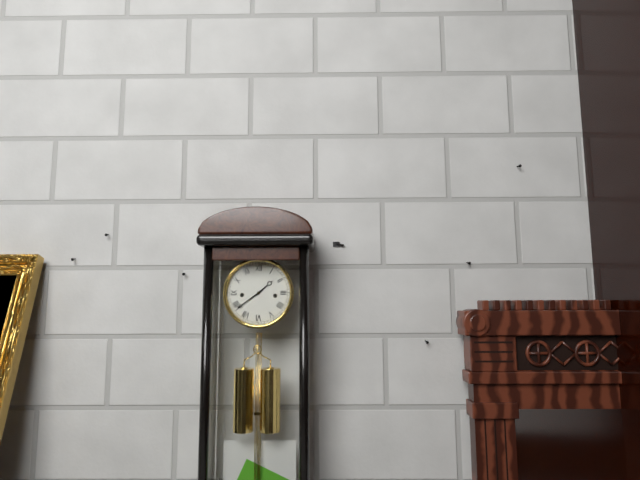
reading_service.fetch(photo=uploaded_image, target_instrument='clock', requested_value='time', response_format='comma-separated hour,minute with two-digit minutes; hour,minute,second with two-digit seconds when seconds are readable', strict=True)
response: 1,39
